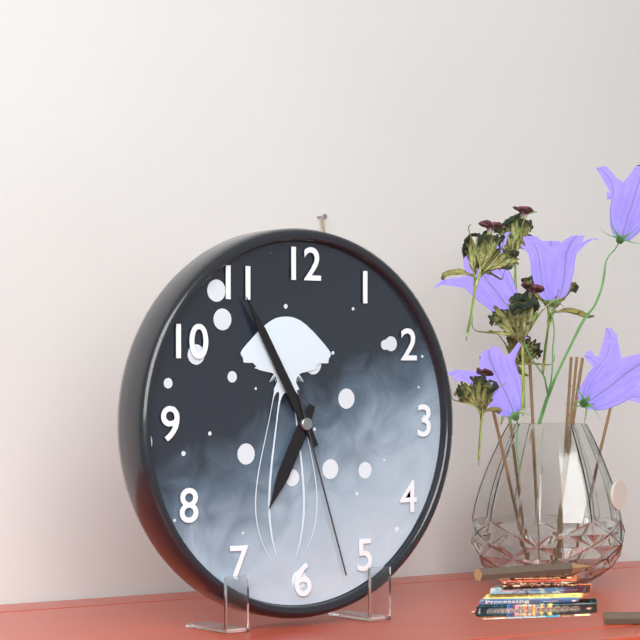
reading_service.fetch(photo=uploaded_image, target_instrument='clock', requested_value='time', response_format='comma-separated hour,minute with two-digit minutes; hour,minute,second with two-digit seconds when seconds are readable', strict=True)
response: 6,55,27
